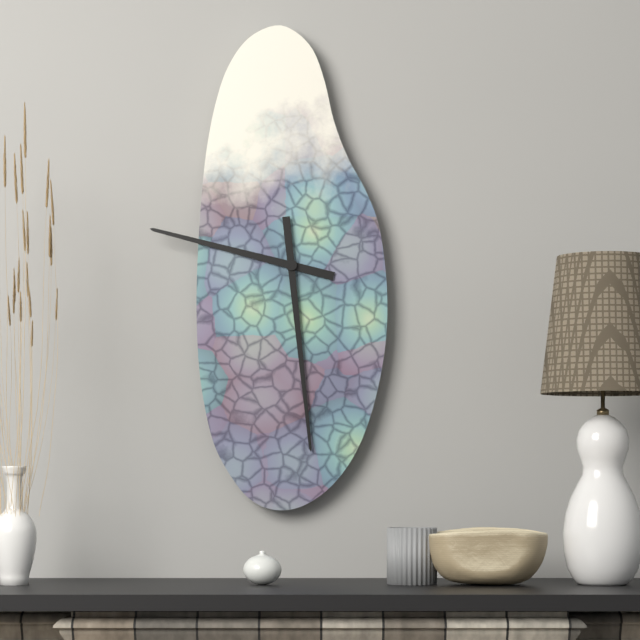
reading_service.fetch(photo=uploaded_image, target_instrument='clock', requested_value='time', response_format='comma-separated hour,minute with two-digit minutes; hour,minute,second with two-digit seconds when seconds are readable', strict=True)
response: 9,29
